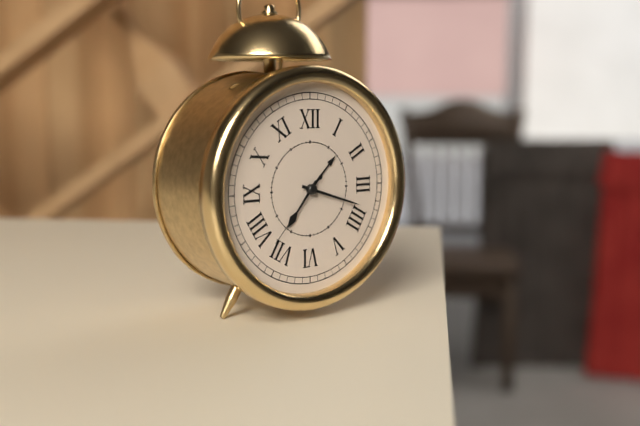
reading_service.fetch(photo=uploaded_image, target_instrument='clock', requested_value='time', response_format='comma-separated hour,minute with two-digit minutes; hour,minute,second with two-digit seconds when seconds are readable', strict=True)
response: 7,18,37
